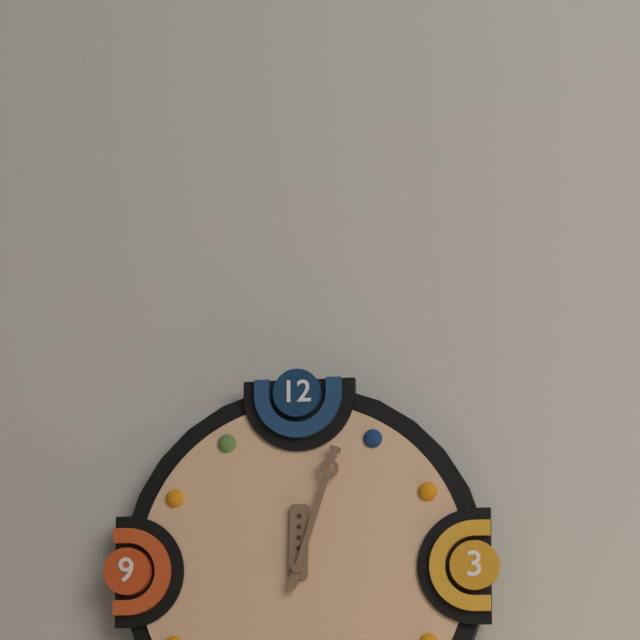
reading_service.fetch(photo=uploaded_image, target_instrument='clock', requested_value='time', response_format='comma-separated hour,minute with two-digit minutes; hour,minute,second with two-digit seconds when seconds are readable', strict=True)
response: 12,03
